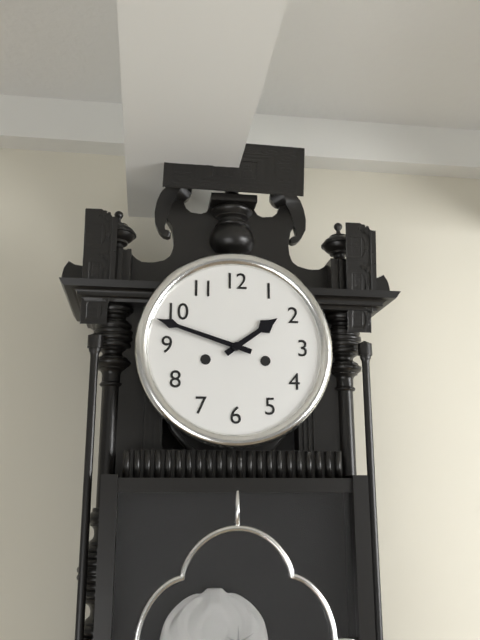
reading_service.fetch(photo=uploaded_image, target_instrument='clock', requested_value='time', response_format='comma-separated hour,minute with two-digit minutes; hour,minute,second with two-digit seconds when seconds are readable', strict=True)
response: 1,48
